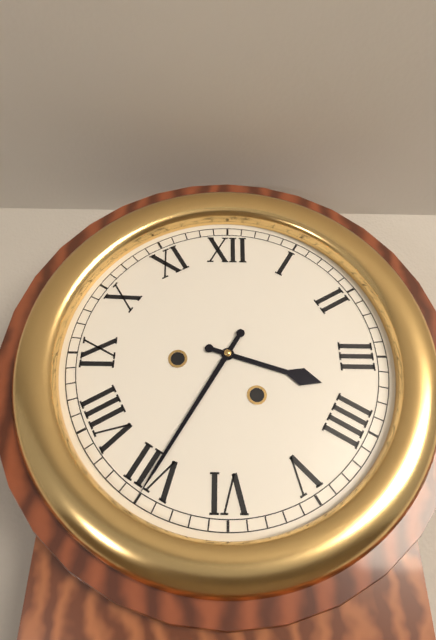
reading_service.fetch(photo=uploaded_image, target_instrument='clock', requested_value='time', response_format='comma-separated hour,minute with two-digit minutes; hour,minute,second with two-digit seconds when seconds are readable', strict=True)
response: 3,35
